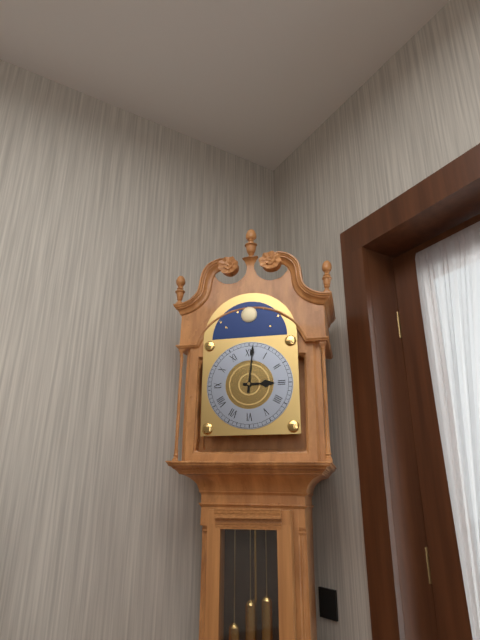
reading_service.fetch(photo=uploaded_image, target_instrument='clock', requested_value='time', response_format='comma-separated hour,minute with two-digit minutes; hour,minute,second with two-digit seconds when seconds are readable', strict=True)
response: 3,01
